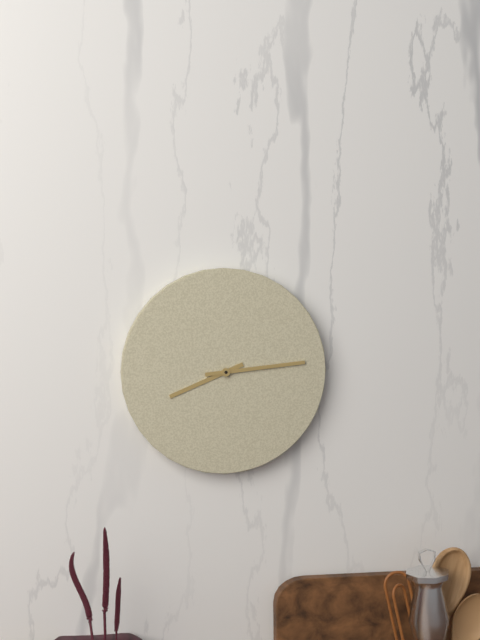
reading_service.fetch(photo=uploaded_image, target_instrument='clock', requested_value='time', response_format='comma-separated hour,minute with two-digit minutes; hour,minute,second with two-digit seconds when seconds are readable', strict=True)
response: 8,14
